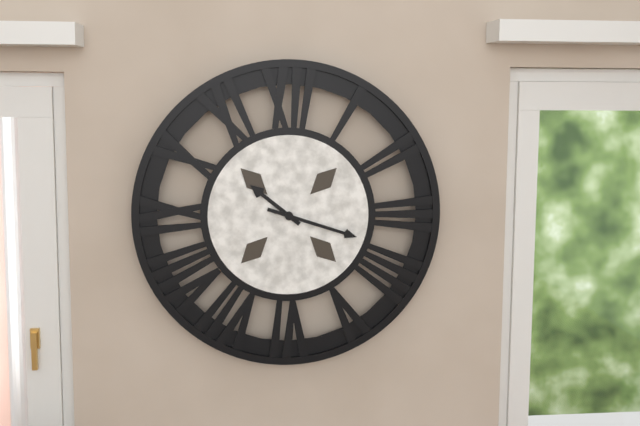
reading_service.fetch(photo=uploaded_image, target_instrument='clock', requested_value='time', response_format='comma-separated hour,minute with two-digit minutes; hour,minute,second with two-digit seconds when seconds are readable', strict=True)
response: 10,18
